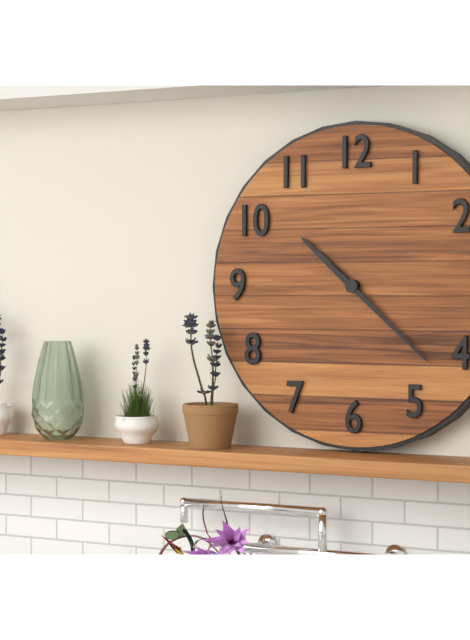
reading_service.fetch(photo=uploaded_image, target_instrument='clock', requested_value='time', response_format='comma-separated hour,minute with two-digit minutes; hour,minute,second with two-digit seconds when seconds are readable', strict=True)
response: 10,22
